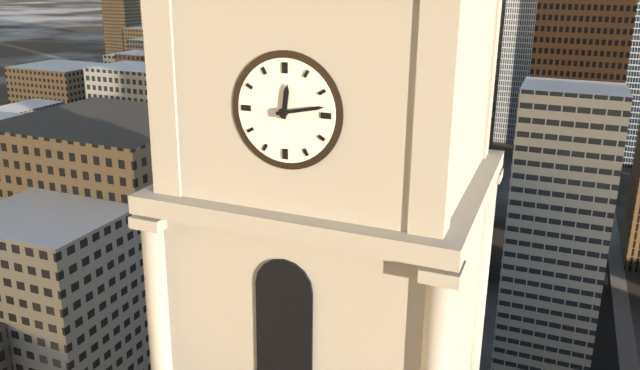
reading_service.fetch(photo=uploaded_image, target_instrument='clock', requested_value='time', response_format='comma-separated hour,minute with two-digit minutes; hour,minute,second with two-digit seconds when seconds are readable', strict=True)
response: 12,13
